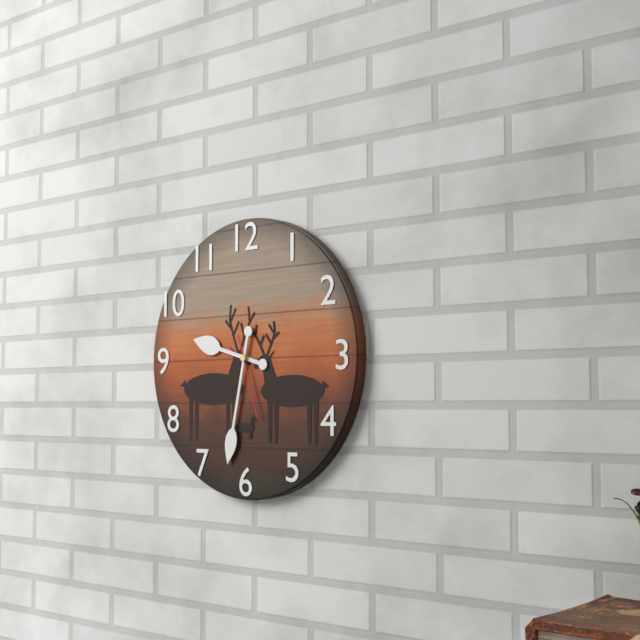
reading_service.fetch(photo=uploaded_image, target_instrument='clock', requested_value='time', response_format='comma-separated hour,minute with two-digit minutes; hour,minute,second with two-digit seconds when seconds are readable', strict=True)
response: 9,32,27
